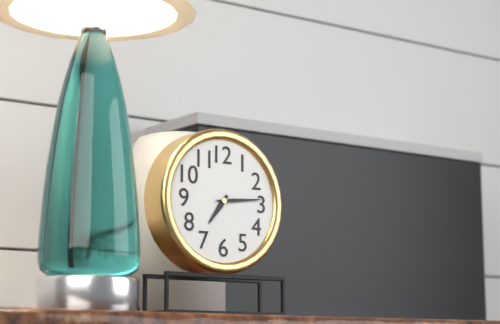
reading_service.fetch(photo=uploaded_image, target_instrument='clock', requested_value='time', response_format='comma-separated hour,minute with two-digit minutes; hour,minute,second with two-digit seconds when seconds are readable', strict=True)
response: 7,14
